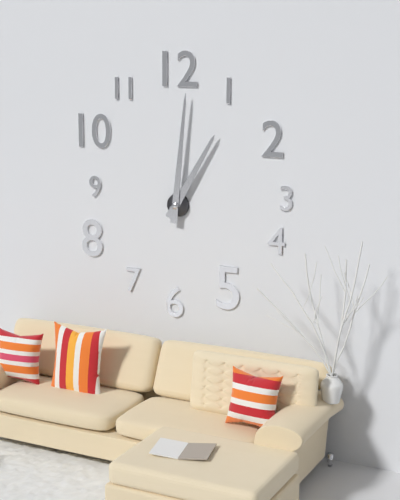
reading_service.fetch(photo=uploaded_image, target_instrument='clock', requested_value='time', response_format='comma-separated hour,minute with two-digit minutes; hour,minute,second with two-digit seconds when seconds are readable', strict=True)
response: 1,01
